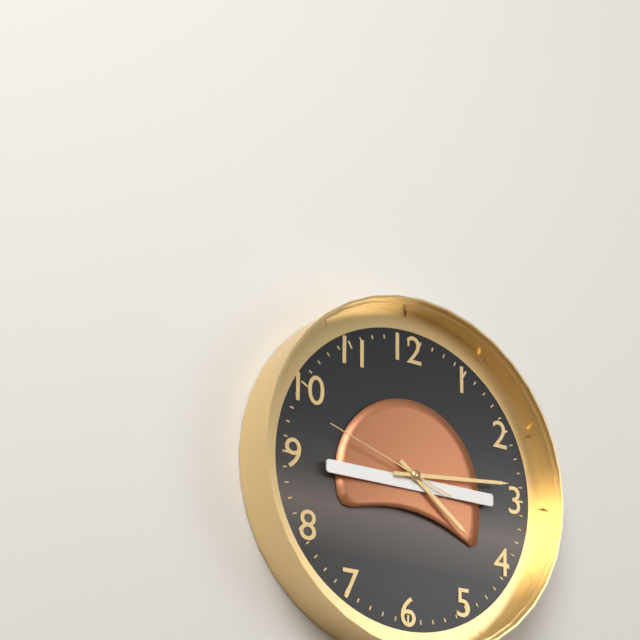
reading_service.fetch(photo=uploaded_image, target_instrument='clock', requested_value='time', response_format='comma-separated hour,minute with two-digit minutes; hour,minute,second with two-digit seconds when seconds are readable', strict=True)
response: 4,14,48
